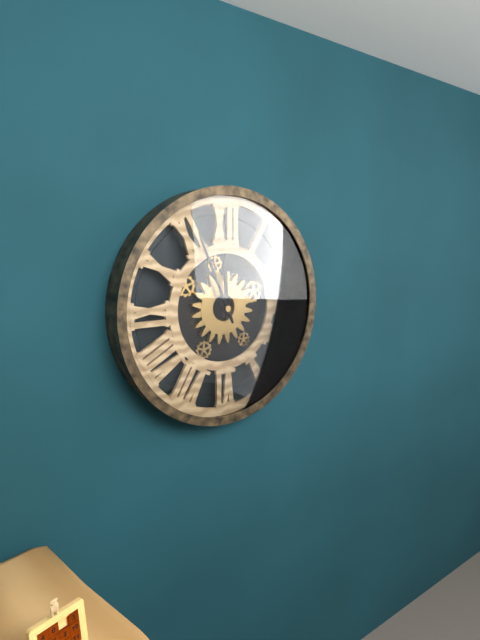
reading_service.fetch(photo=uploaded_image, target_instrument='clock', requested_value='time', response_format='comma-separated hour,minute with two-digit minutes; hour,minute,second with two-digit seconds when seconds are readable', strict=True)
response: 11,56
